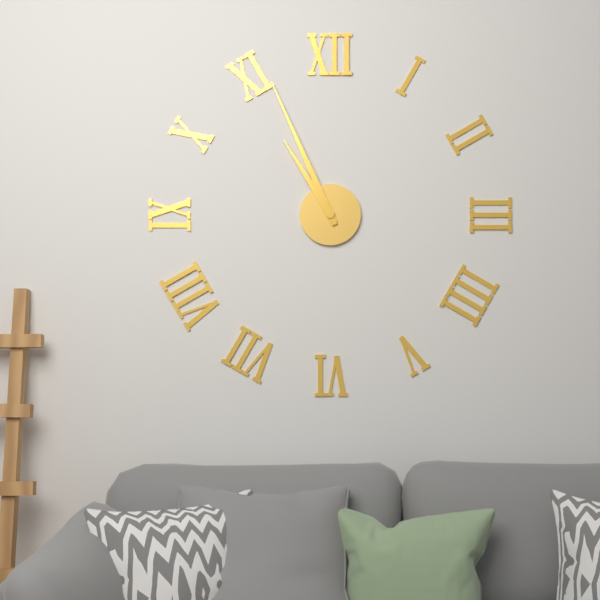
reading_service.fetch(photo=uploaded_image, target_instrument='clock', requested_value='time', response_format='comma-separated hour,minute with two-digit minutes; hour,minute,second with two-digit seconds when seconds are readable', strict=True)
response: 10,56
